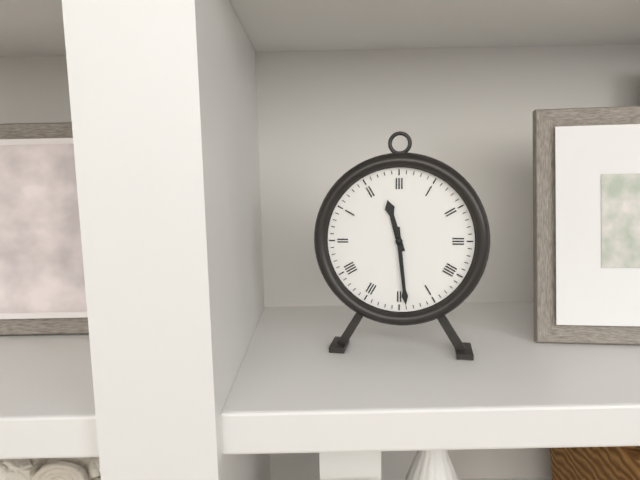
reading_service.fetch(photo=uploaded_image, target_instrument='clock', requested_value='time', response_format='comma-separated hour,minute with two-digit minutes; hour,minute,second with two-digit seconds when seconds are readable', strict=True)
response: 11,29
